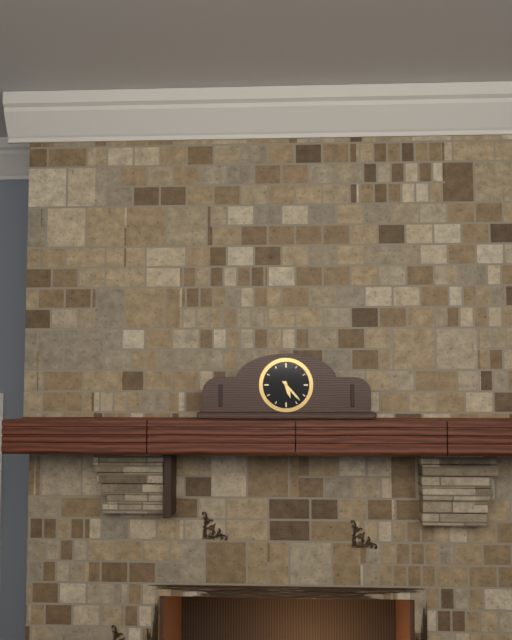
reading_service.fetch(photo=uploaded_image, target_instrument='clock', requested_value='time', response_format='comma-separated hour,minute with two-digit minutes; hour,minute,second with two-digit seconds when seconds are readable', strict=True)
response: 5,23
